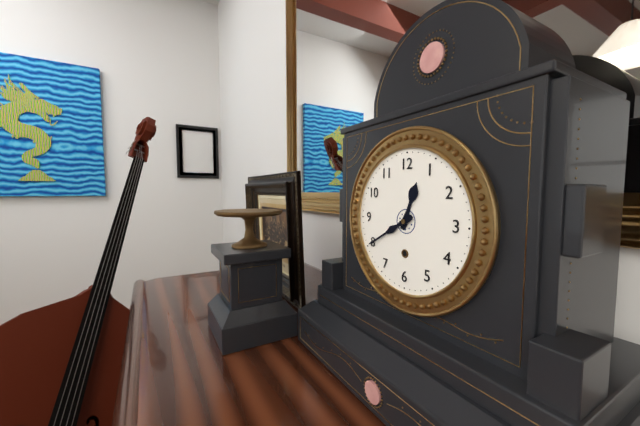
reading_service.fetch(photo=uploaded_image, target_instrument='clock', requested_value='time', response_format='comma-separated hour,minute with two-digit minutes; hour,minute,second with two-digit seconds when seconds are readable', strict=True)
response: 12,40
